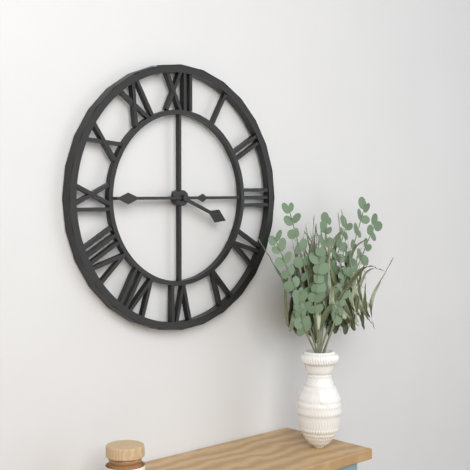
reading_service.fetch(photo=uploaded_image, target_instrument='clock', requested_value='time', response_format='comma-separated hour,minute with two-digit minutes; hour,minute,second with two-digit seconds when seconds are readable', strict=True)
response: 3,45
